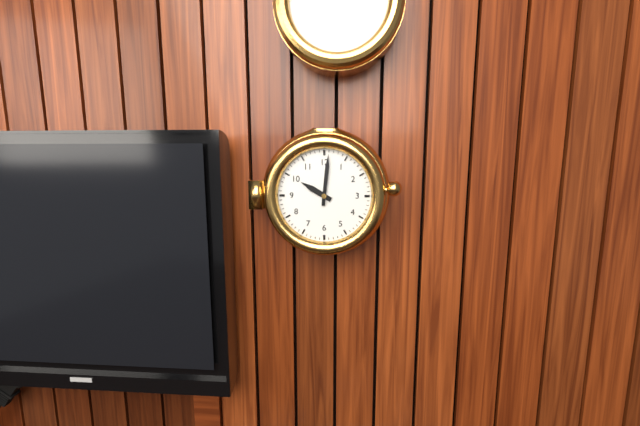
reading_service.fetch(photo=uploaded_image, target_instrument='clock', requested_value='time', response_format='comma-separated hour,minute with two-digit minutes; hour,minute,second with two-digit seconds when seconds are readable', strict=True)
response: 10,01
